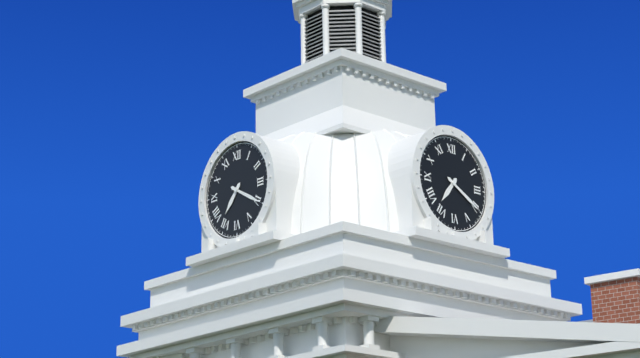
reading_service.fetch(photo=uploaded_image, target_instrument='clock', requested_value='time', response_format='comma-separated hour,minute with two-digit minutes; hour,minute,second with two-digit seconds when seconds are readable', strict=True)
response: 7,20
